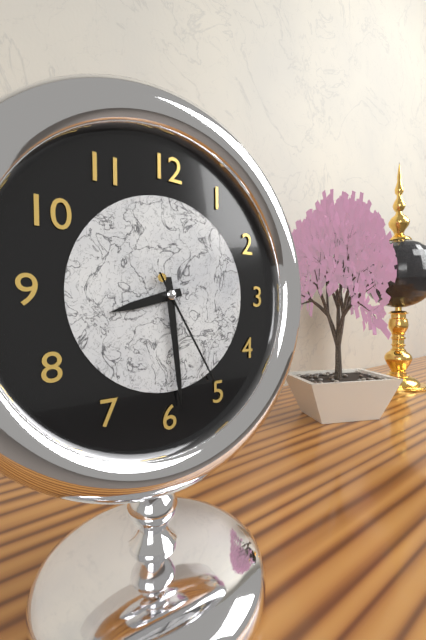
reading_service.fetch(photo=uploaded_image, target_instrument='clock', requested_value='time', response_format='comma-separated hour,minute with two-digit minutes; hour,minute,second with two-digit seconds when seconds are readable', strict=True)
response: 8,29,25
